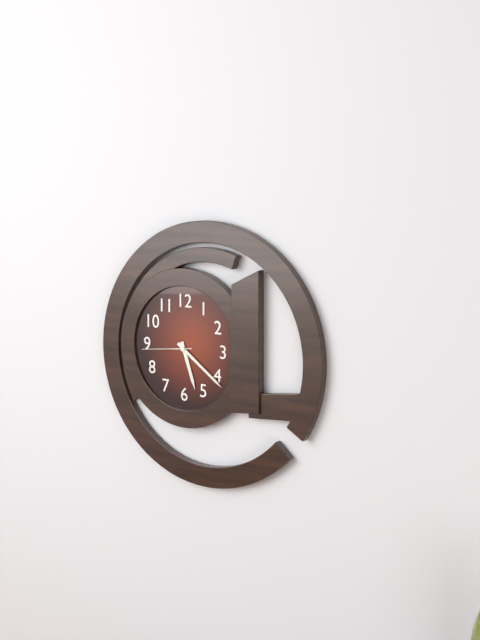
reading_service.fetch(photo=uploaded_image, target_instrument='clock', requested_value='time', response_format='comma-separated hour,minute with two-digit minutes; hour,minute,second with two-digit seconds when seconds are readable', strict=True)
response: 5,21,44
